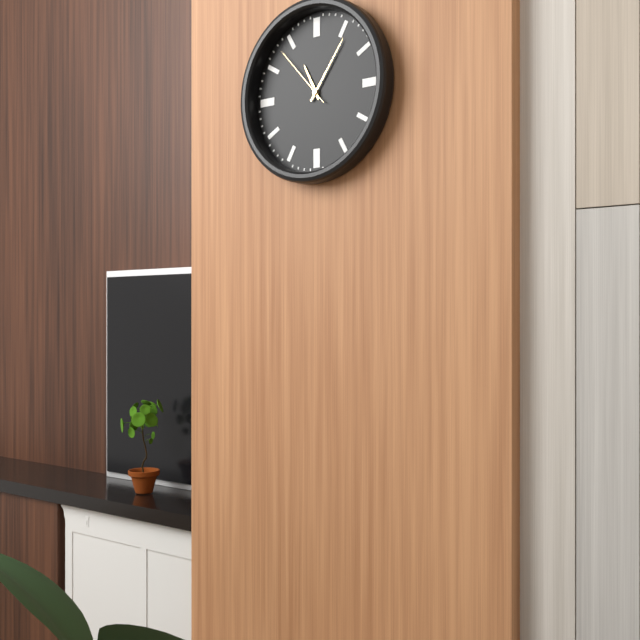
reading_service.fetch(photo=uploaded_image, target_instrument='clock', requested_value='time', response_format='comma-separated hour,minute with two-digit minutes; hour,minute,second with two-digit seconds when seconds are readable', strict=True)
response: 11,06,53
